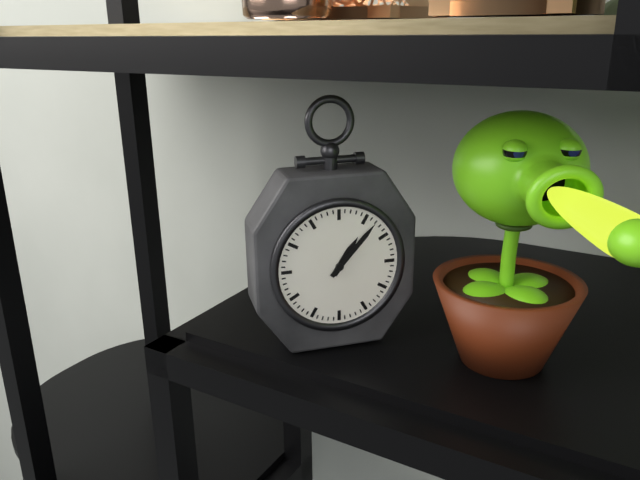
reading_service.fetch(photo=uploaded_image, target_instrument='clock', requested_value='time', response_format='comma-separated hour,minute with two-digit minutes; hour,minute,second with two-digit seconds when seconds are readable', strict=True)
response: 1,07
